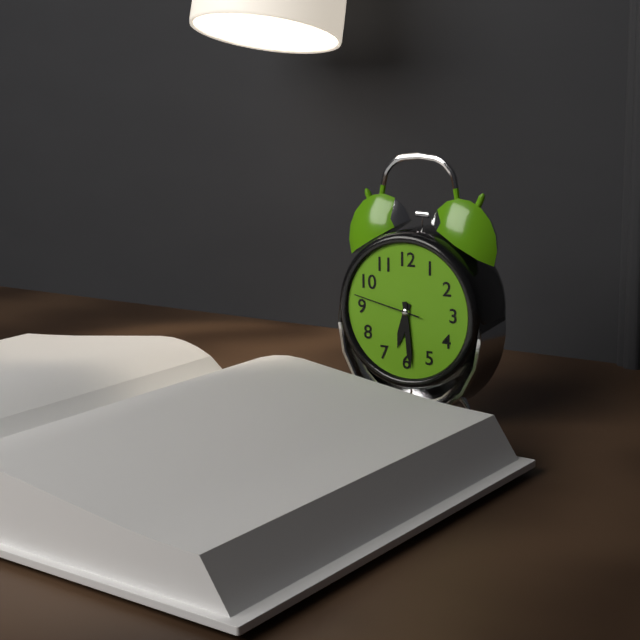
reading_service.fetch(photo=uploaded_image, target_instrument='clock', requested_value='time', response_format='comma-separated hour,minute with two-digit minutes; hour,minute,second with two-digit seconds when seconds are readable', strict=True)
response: 6,29,47
